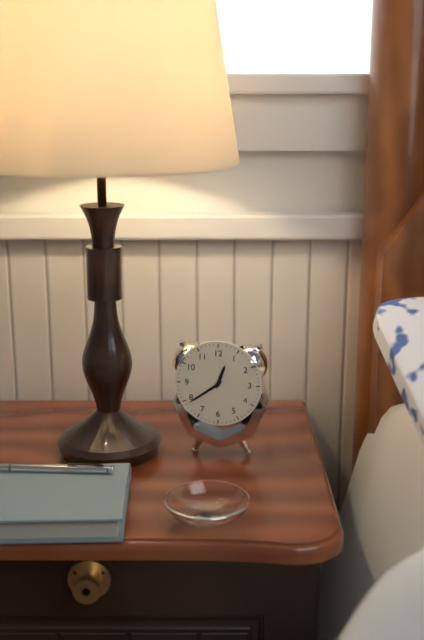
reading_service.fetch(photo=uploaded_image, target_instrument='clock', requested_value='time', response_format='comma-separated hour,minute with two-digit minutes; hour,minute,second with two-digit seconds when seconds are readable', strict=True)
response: 12,39
